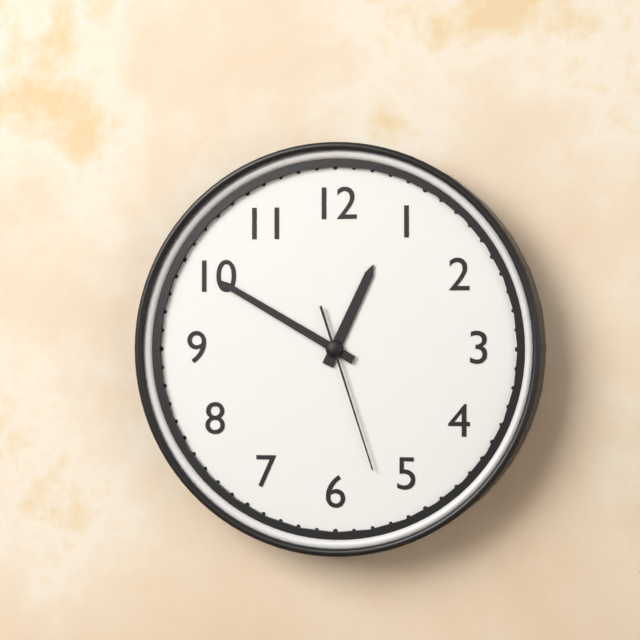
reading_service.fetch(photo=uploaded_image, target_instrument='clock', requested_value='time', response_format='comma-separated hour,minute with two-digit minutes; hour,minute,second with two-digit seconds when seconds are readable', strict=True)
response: 12,50,27
